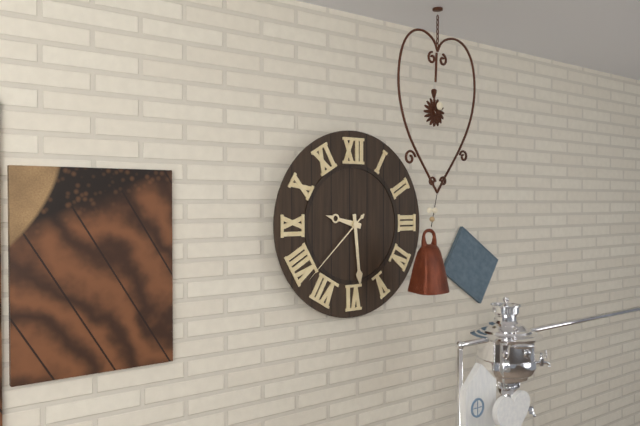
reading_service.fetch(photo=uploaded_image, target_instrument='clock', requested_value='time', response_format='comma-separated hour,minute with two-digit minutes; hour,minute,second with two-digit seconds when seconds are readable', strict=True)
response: 9,29,38
